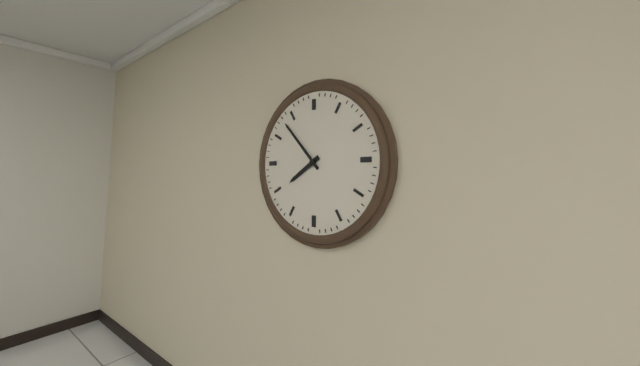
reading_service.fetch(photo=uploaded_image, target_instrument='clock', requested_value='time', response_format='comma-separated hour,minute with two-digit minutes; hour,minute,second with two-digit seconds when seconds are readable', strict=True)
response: 7,53
